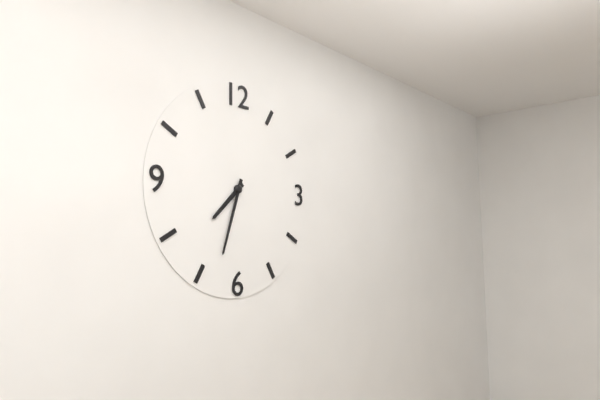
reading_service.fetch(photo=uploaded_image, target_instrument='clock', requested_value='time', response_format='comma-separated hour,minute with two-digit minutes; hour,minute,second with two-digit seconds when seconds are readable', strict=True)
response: 7,33
